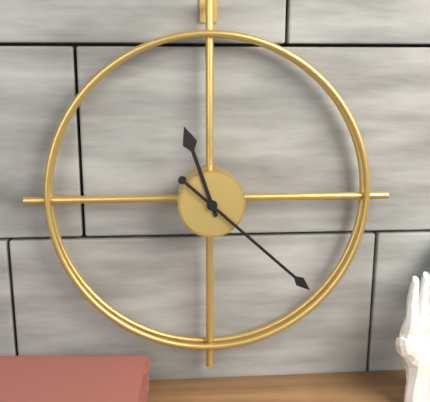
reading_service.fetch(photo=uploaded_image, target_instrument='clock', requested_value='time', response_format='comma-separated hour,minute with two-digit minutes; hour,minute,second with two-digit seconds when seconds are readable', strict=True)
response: 11,22
